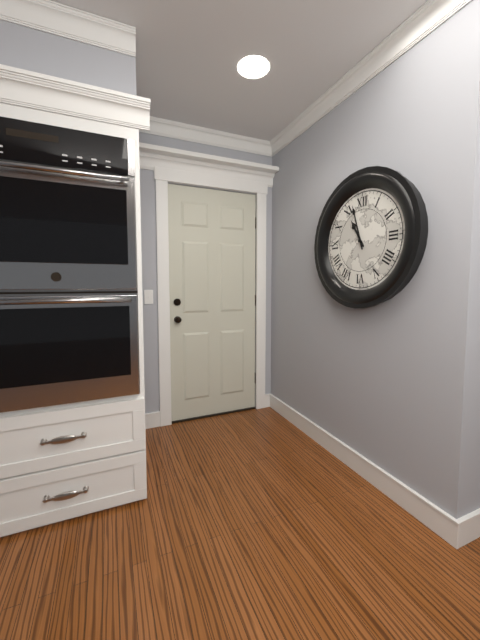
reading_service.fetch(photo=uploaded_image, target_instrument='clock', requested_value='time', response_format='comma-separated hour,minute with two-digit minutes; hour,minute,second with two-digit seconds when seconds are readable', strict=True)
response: 10,57
